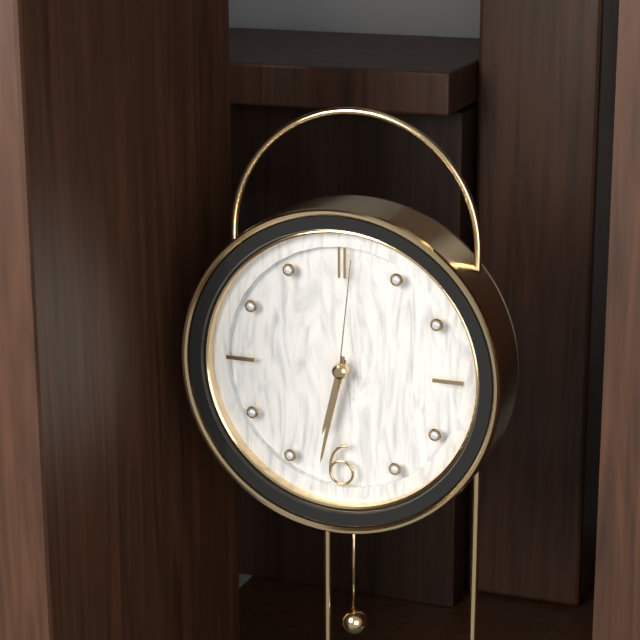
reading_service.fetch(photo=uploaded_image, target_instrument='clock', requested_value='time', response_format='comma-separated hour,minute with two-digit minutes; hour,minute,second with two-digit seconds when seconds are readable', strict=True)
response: 6,32,01
